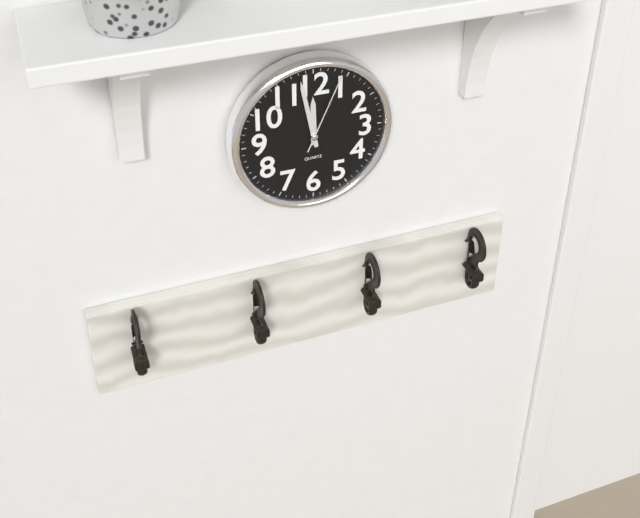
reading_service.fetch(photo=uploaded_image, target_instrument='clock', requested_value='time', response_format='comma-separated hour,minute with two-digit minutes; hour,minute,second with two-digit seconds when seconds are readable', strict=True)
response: 11,58,04
